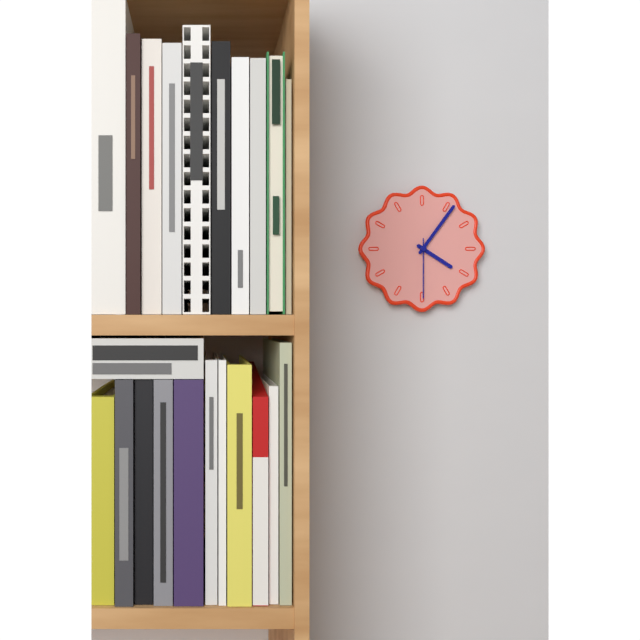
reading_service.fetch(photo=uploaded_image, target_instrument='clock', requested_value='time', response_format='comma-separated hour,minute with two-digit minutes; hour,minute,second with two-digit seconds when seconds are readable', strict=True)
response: 4,06,30
